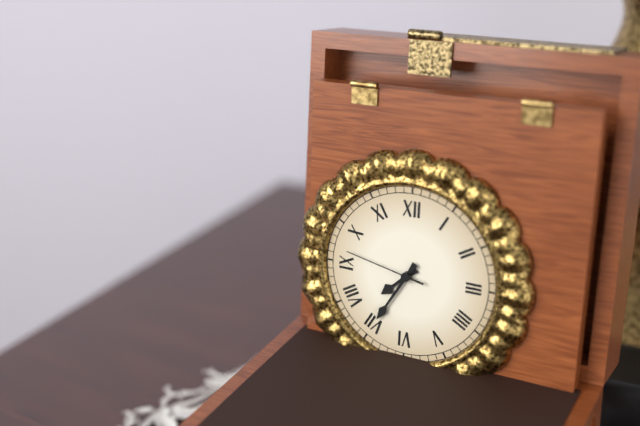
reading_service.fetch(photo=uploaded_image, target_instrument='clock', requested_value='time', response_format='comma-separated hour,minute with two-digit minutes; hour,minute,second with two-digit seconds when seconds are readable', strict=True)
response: 7,35,47
